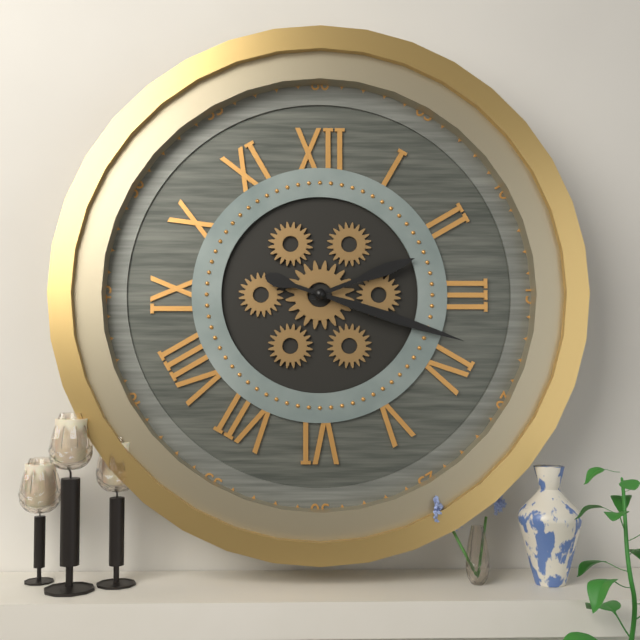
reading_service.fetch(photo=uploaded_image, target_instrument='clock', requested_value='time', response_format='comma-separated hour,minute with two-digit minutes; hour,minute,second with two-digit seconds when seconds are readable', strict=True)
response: 2,18
